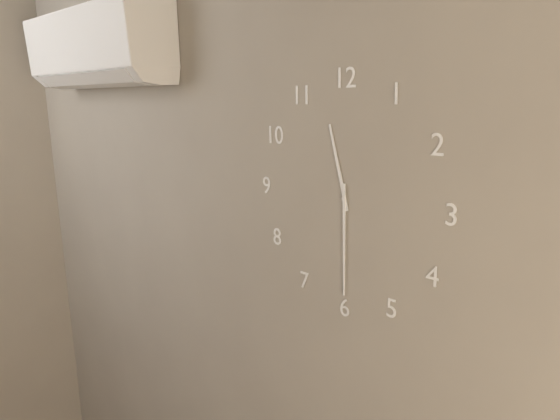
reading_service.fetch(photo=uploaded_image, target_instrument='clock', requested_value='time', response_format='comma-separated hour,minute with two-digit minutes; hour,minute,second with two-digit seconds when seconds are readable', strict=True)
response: 11,30
